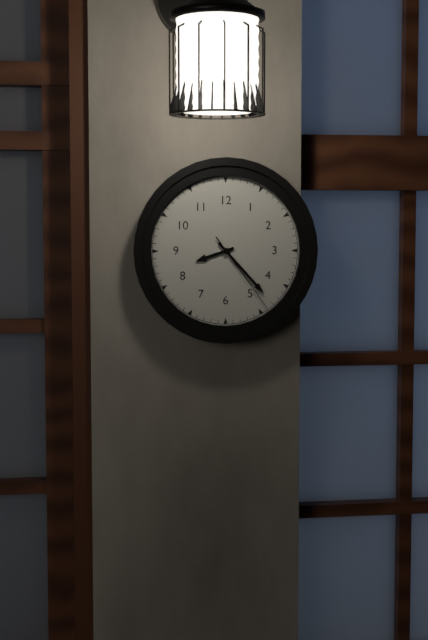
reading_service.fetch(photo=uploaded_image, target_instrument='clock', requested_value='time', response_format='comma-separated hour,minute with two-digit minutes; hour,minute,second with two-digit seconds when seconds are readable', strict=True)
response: 8,23,24
